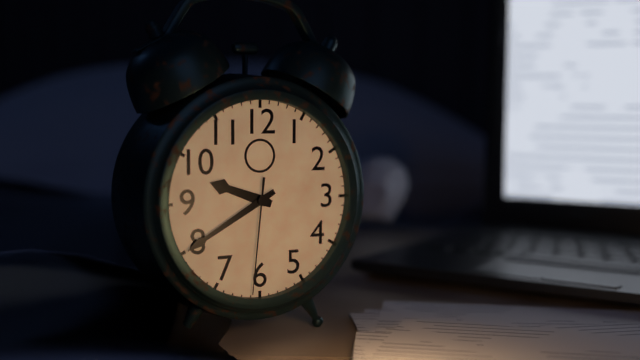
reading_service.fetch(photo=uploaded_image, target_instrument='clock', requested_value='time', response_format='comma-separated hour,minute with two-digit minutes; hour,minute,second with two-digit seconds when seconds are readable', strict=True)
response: 9,40,31
